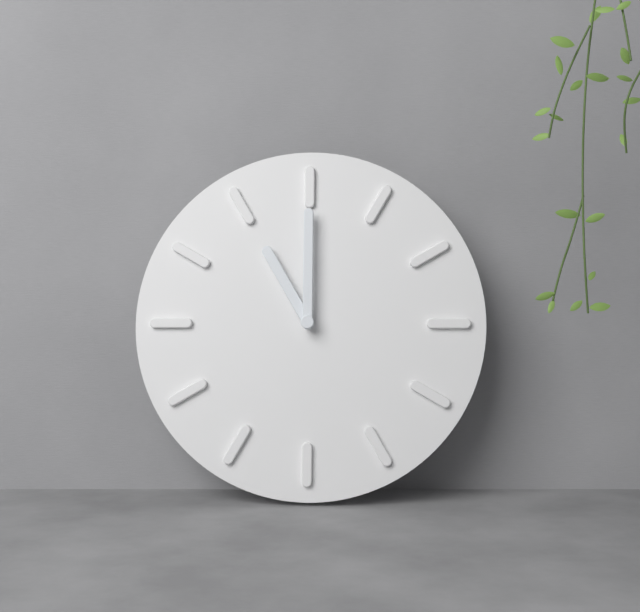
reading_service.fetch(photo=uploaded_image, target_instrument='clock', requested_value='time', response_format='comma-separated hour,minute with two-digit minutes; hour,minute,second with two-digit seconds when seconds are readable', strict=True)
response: 11,00
